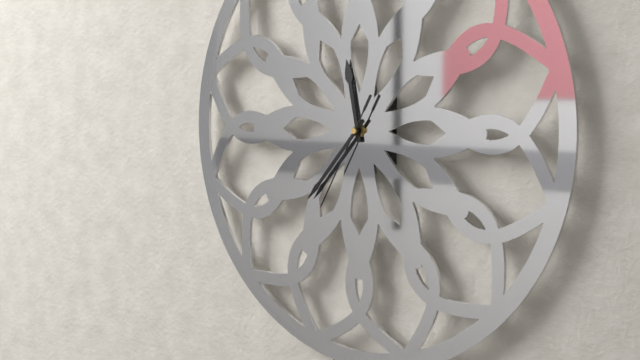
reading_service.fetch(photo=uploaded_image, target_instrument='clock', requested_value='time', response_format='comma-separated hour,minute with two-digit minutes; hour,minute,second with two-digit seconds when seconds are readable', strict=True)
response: 11,37,35
